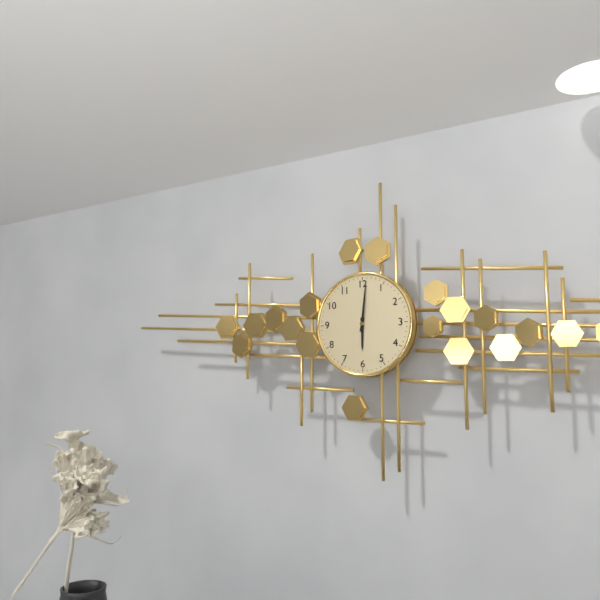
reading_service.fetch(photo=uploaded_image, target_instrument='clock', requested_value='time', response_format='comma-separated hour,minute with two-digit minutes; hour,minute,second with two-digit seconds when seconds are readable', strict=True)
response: 6,01
